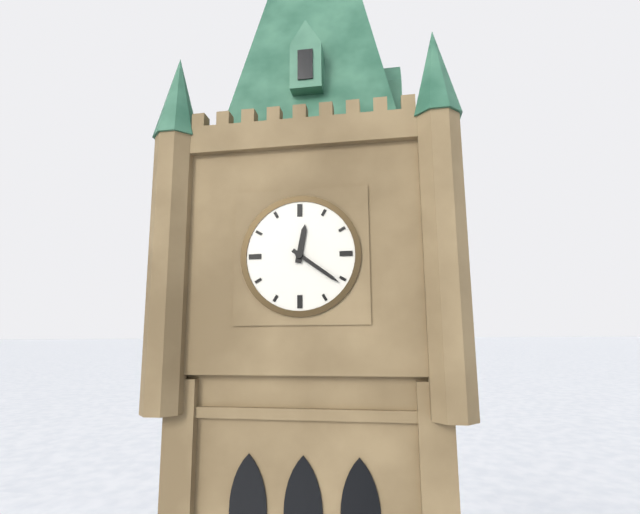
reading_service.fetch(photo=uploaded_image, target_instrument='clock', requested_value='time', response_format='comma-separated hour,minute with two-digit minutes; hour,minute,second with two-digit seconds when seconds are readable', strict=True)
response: 12,21
